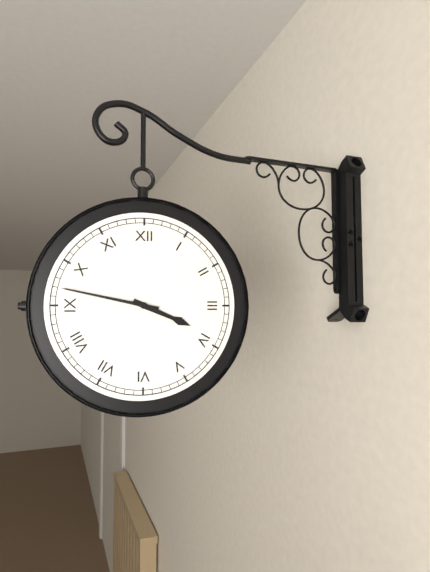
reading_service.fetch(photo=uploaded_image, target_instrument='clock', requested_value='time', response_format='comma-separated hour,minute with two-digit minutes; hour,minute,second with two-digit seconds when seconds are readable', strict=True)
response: 3,47
